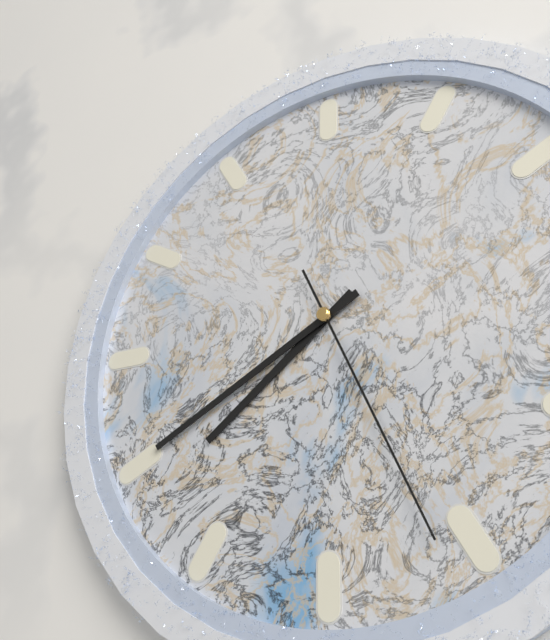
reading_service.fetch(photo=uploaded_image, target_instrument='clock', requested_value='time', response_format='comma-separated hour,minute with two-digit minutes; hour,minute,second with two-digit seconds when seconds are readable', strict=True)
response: 7,40,26
